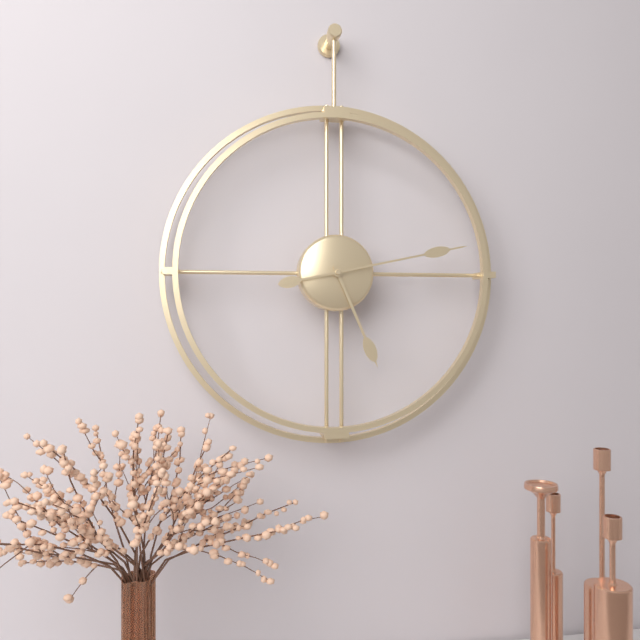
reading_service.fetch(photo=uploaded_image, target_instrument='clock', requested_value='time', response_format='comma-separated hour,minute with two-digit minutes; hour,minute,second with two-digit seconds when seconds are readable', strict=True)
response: 5,13
